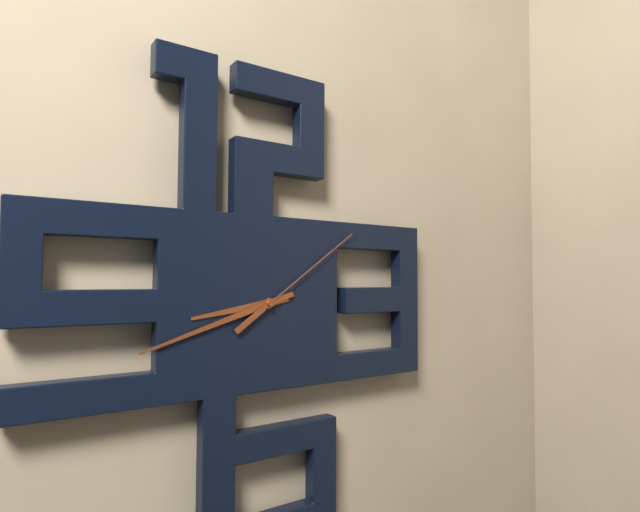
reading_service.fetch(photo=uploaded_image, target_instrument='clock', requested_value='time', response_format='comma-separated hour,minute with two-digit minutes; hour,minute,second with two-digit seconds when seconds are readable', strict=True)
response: 8,42,09
